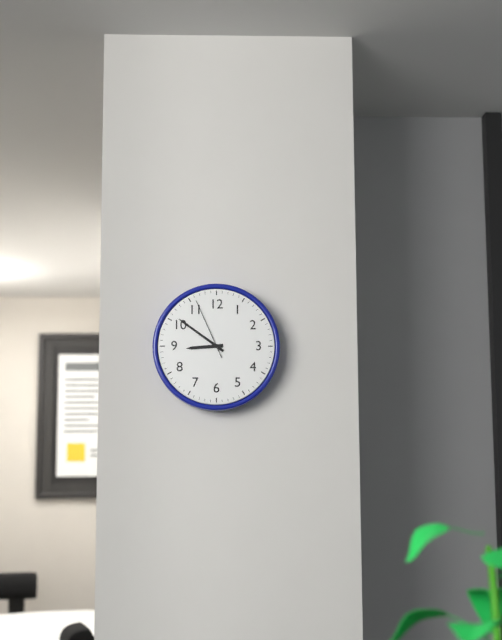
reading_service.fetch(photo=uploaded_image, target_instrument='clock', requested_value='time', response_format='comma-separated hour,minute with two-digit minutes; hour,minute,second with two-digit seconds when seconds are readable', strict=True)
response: 8,51,56
